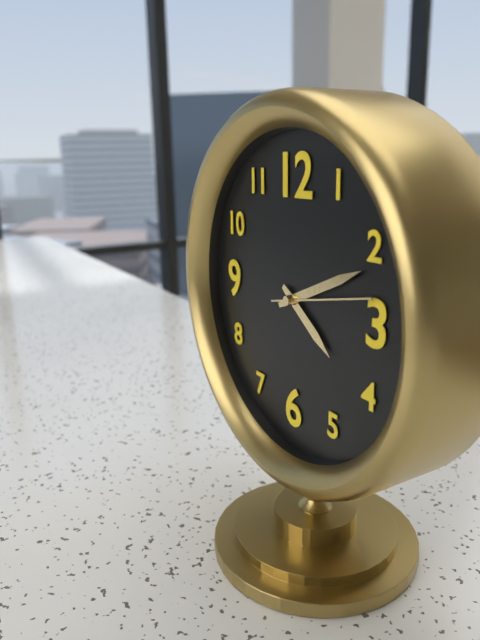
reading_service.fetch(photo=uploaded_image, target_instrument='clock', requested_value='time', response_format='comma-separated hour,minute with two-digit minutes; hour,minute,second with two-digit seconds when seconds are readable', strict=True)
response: 4,11,13
